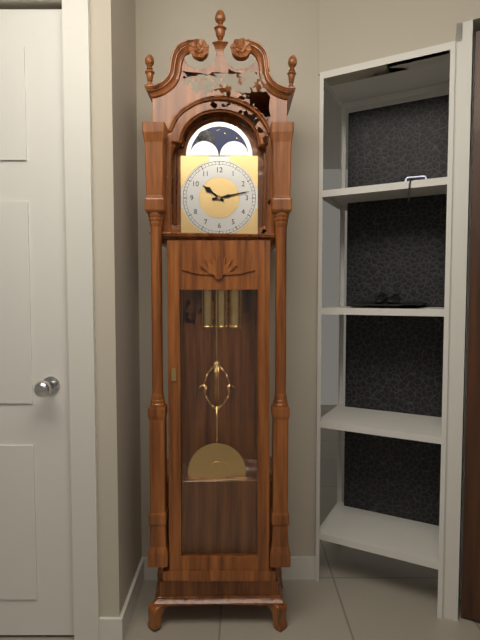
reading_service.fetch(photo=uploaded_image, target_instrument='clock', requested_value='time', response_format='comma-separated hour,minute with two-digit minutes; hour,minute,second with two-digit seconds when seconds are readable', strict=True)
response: 10,13
